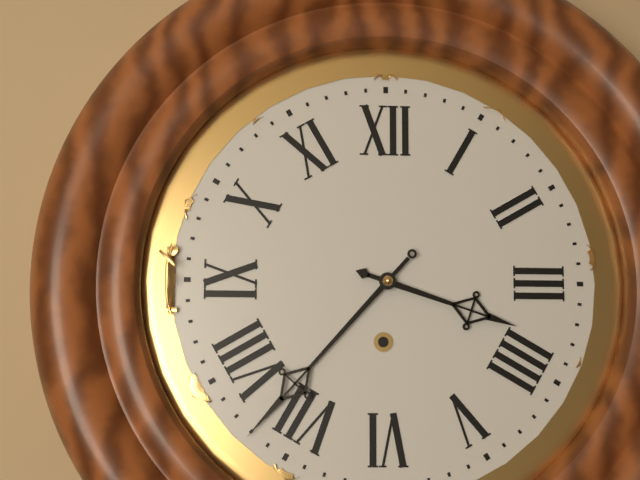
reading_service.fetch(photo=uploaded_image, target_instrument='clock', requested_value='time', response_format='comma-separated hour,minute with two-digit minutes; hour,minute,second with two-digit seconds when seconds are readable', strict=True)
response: 3,37
